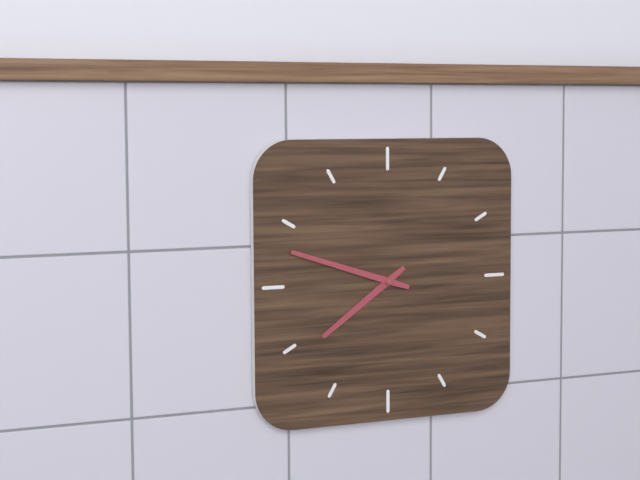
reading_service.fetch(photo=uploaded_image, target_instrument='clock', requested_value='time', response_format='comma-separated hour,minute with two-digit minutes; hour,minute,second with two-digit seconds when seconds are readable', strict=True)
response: 7,48
